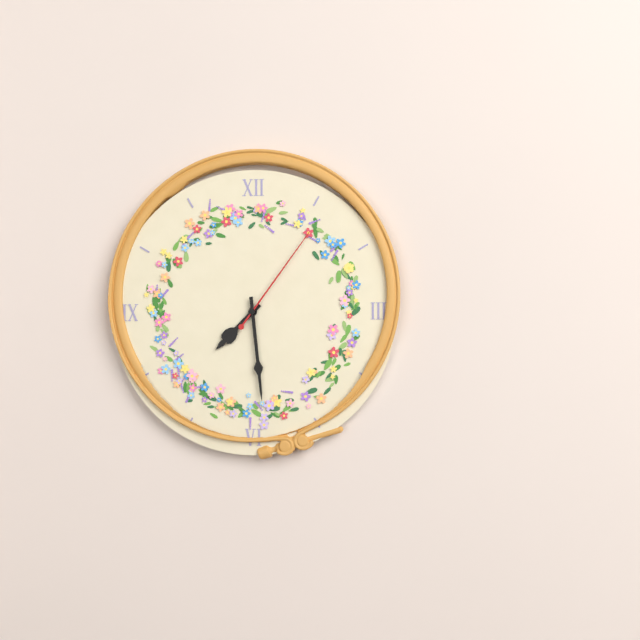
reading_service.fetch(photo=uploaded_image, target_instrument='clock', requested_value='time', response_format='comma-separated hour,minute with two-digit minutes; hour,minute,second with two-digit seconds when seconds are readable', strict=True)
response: 7,29,06
